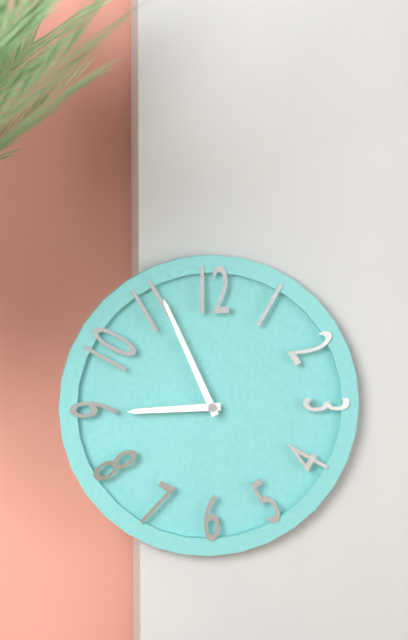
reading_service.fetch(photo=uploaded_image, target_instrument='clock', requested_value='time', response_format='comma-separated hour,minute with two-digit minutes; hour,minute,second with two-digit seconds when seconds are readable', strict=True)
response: 8,56
